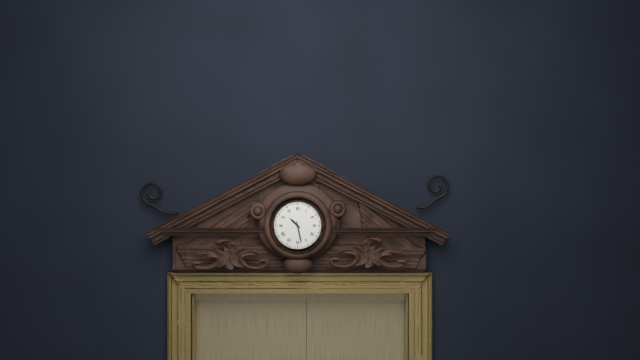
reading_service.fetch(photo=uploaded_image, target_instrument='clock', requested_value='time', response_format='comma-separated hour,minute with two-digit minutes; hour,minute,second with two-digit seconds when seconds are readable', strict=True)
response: 10,28
